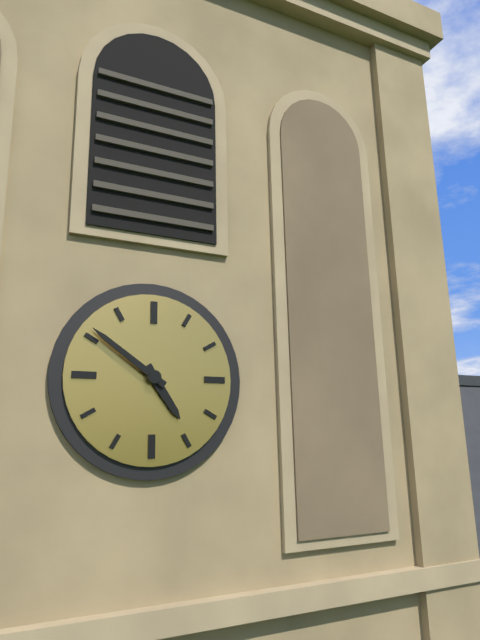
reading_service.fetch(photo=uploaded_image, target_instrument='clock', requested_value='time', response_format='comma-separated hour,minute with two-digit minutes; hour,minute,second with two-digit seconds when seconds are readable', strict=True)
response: 4,51
